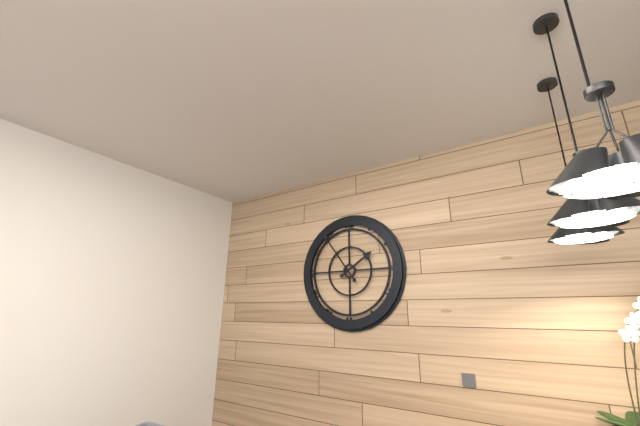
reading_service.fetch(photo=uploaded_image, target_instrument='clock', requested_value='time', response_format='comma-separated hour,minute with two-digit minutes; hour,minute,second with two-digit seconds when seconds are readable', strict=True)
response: 1,54
